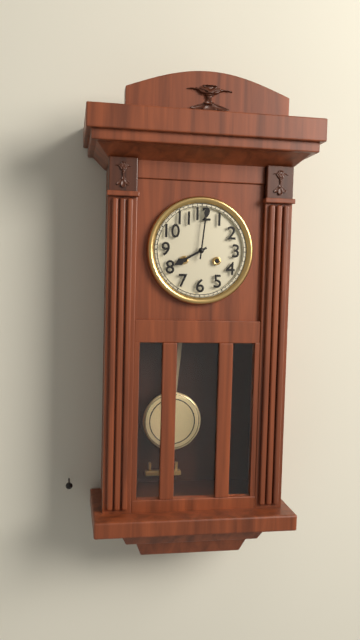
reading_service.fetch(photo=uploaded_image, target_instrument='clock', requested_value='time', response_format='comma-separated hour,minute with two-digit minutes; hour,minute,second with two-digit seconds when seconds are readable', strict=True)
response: 8,01
